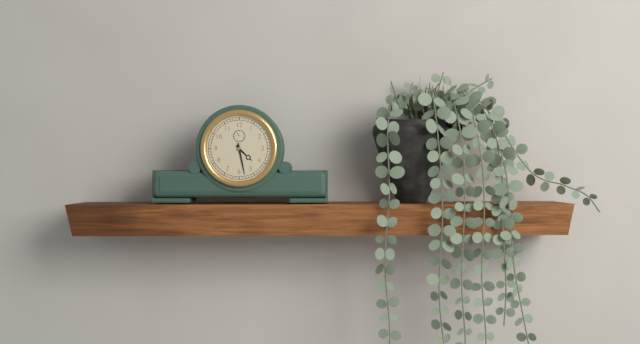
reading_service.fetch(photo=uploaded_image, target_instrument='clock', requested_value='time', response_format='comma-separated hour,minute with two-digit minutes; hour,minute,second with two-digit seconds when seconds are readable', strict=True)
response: 4,28
